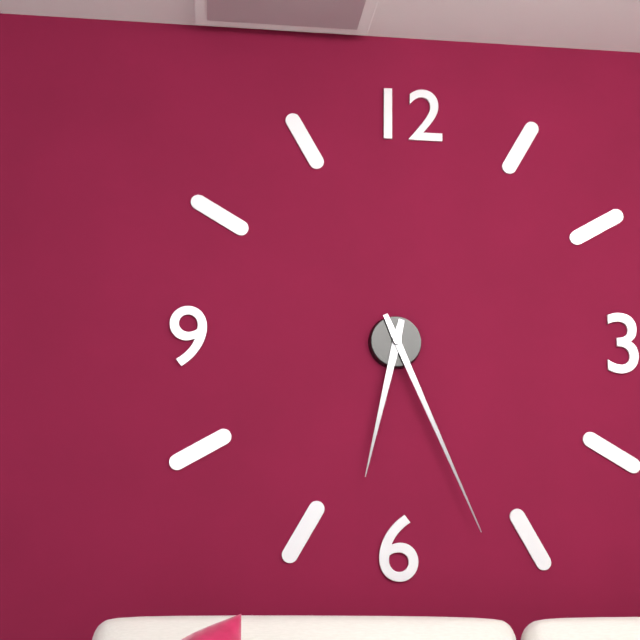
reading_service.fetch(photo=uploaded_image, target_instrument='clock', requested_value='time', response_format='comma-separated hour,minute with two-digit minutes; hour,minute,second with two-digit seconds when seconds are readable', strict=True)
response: 6,26
